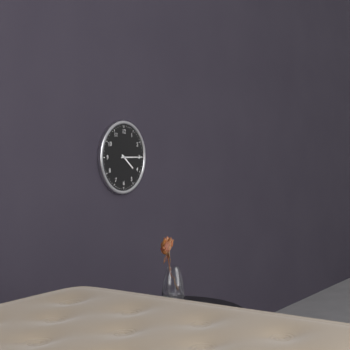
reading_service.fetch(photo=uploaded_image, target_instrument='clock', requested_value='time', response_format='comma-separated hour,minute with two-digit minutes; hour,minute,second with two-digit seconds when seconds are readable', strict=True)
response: 4,15
